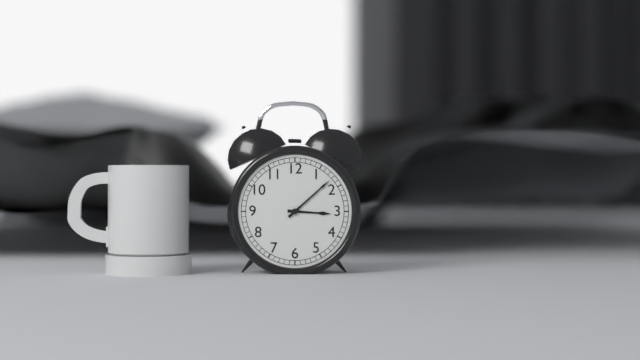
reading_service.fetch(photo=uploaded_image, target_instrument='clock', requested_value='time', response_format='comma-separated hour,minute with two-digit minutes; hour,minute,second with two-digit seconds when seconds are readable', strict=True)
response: 3,08
